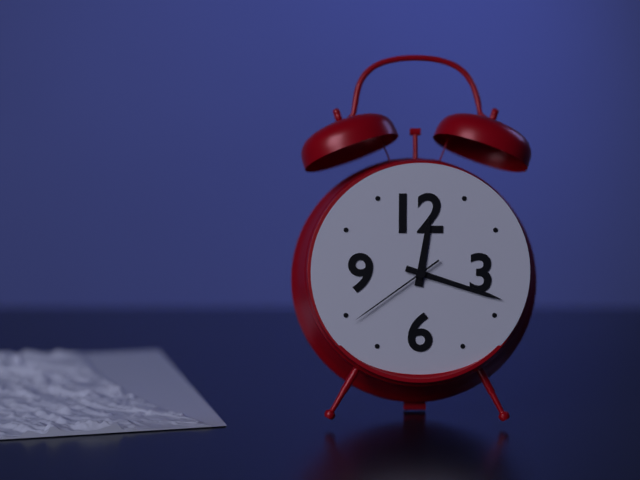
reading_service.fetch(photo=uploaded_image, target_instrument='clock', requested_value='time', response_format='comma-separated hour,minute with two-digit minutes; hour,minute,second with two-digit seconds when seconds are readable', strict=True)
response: 12,18,39
